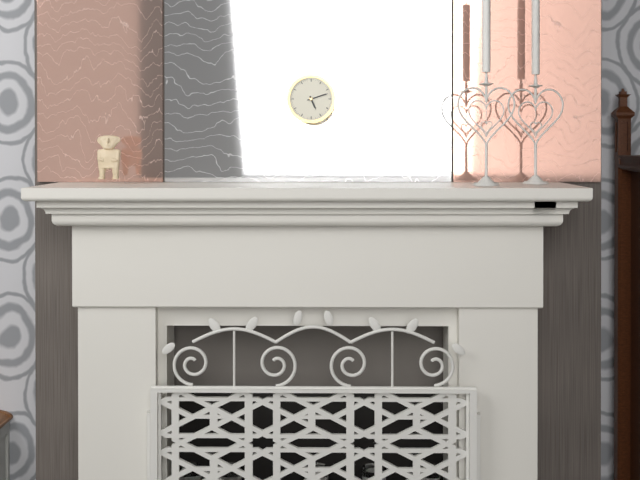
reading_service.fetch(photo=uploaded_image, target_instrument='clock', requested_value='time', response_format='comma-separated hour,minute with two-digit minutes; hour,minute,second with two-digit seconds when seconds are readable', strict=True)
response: 5,12
